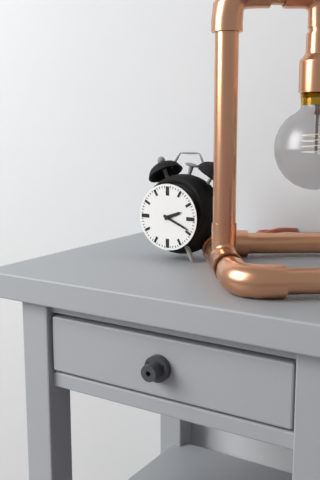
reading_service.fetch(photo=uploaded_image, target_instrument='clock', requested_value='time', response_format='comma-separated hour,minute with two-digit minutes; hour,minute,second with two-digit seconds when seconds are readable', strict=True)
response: 2,19
